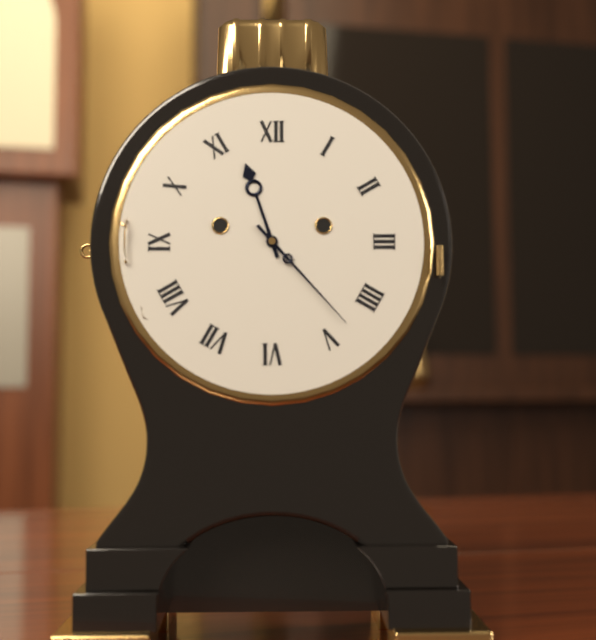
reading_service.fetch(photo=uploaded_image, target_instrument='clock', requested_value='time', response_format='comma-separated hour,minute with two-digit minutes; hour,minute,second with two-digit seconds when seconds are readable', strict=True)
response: 11,23
